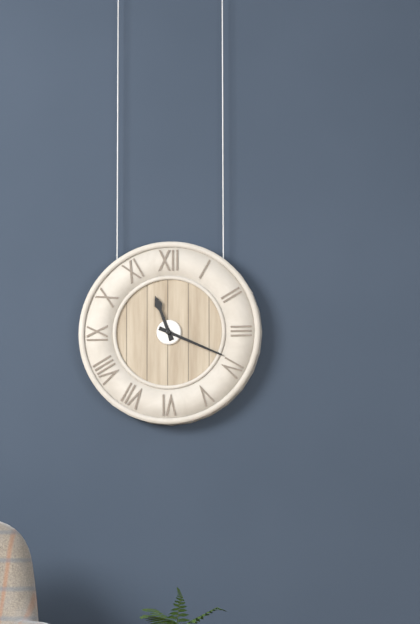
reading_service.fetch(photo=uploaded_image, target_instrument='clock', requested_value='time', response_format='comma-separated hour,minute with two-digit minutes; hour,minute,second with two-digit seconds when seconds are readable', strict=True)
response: 11,19
